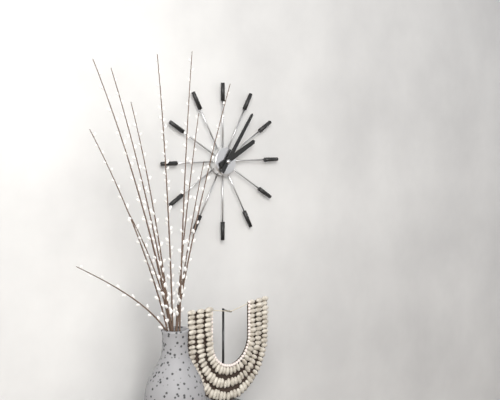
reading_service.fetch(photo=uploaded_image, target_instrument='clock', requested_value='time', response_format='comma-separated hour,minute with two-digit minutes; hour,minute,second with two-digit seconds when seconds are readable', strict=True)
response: 2,06
